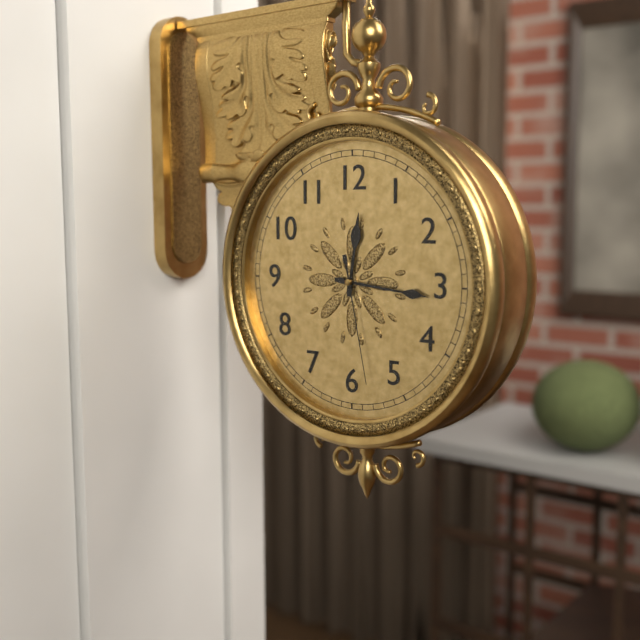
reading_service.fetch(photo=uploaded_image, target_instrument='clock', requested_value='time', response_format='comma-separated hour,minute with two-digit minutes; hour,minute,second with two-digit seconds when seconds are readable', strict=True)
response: 12,16,28
